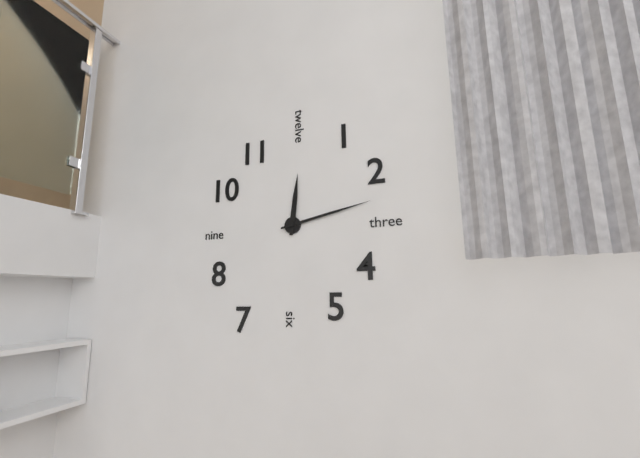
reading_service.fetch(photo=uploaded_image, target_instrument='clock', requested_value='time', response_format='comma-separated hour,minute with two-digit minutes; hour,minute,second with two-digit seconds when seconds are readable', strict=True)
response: 12,13
